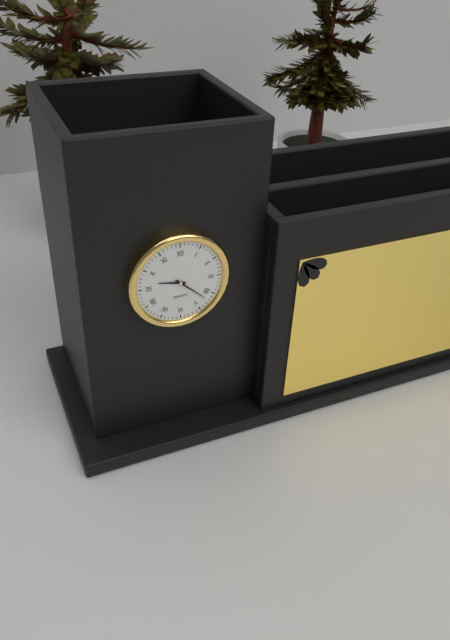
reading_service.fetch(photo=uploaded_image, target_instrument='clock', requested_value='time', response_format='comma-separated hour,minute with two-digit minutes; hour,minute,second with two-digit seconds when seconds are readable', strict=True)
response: 9,22
